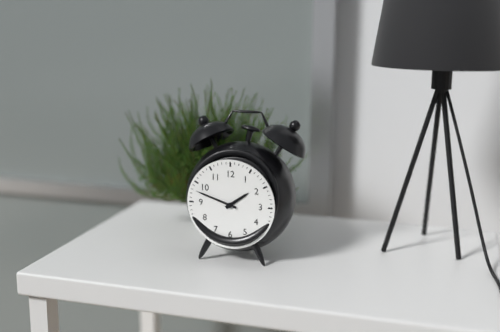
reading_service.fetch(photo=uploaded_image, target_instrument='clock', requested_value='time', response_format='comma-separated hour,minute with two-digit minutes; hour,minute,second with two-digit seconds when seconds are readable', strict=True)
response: 1,48
